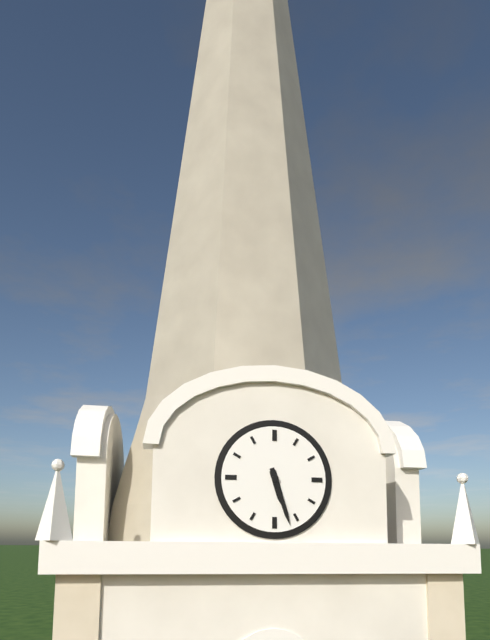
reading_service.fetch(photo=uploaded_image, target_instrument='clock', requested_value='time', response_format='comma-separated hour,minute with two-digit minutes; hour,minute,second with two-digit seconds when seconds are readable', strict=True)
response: 5,27
